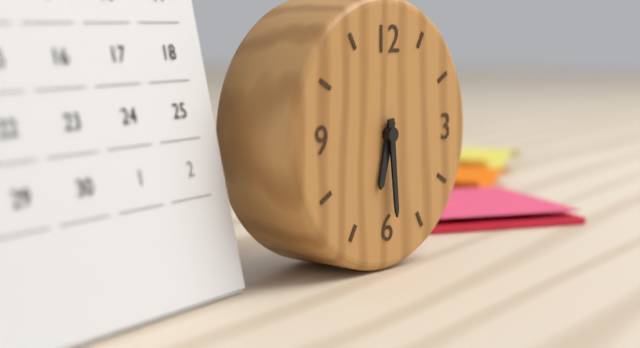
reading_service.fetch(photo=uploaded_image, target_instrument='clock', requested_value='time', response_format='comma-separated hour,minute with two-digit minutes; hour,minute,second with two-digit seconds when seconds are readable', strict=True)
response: 6,29
